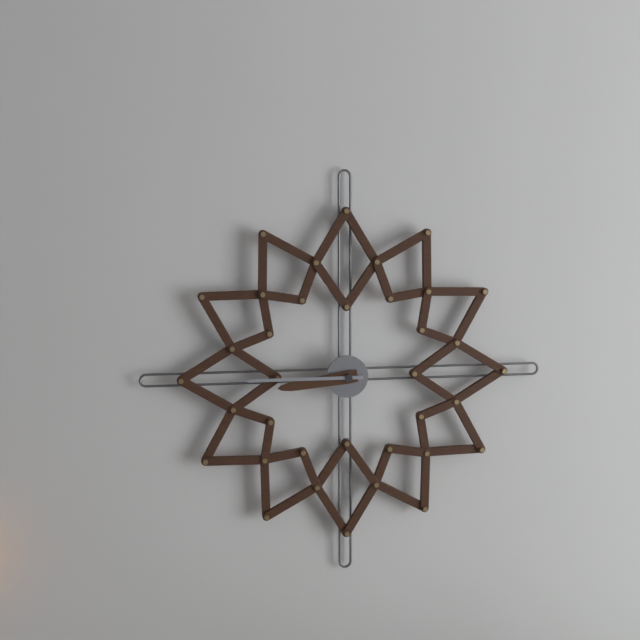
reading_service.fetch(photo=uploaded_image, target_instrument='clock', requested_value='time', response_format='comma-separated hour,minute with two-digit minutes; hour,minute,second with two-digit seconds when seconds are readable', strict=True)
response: 8,45
